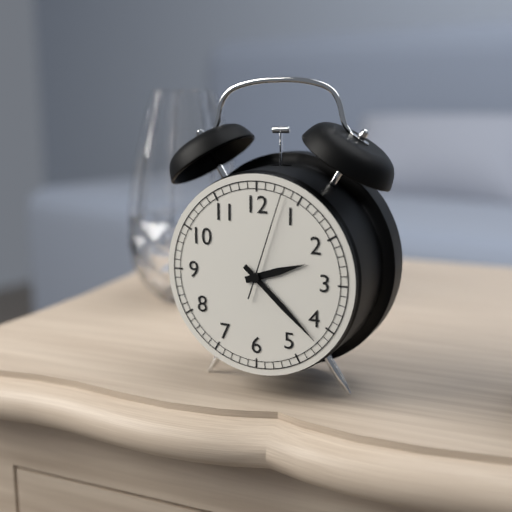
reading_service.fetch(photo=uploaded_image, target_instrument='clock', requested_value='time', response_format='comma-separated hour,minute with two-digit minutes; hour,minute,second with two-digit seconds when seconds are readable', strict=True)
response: 2,22,03
